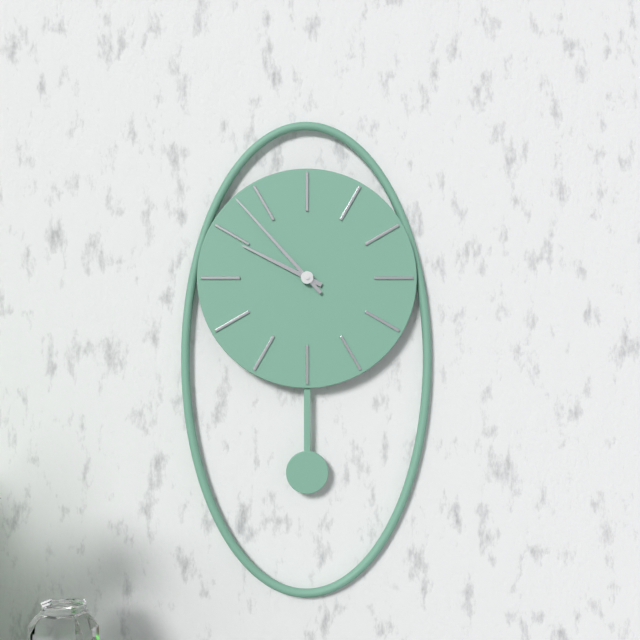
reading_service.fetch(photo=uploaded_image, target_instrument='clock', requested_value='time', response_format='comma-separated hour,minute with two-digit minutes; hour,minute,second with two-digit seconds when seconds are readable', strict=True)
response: 9,53
